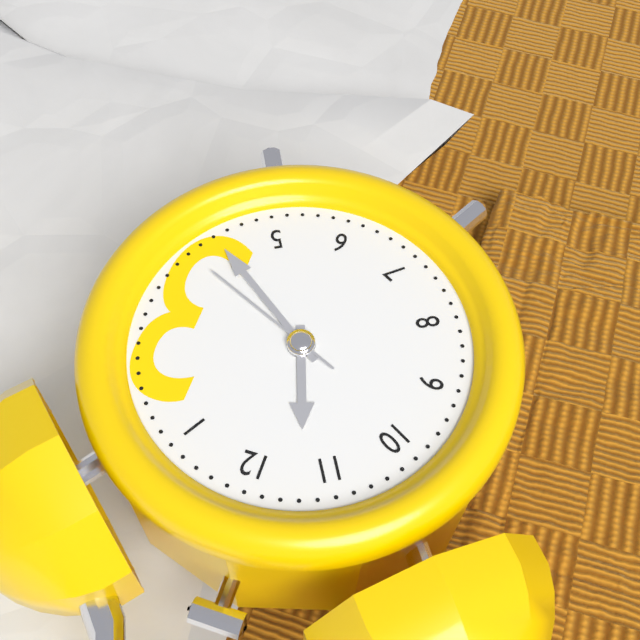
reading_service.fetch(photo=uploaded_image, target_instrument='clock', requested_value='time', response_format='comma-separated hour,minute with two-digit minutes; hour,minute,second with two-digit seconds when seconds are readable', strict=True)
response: 11,21,19
